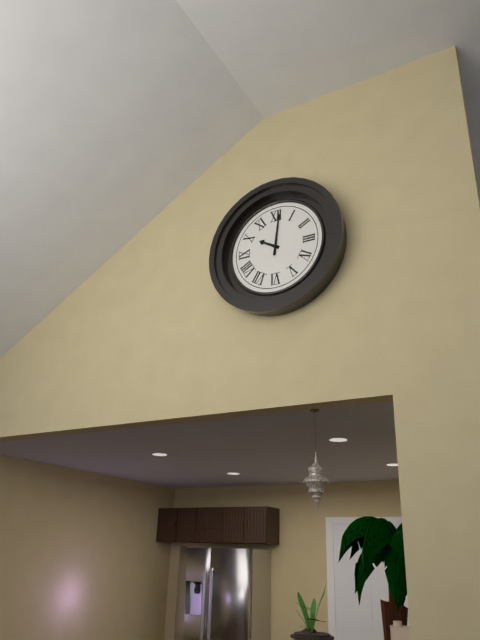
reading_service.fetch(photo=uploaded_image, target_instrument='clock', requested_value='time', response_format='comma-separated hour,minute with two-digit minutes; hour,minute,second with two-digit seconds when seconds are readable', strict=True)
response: 10,01
